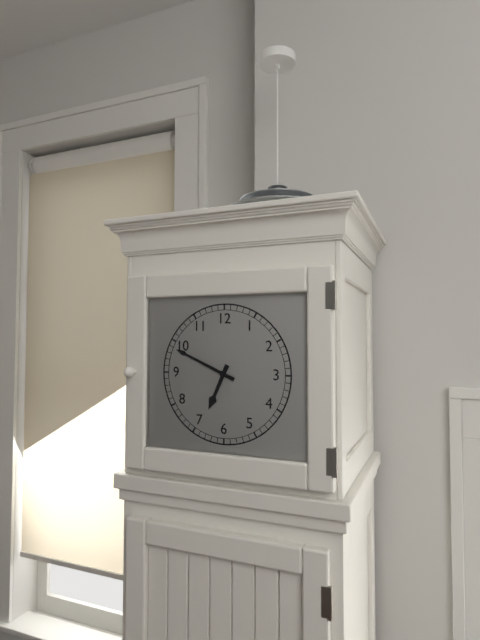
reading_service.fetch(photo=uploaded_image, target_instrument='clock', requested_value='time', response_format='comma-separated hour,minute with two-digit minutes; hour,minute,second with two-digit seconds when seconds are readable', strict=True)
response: 6,49
